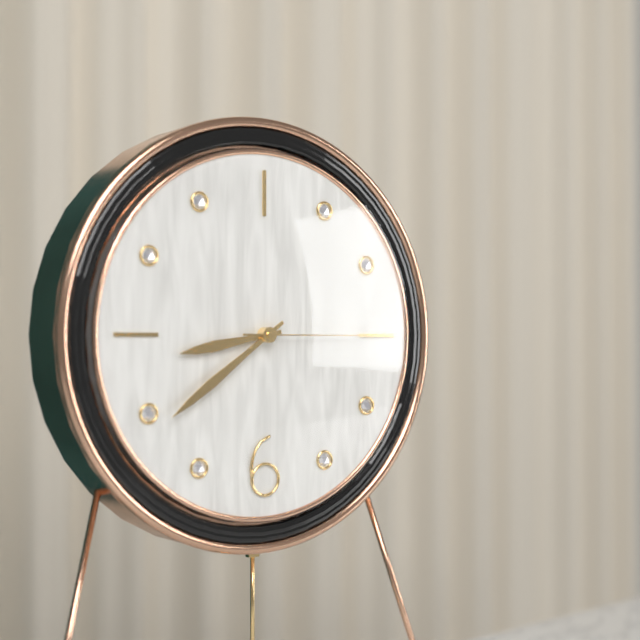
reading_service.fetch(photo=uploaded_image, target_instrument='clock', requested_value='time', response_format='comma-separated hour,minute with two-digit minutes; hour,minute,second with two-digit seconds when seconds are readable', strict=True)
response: 8,39,15
